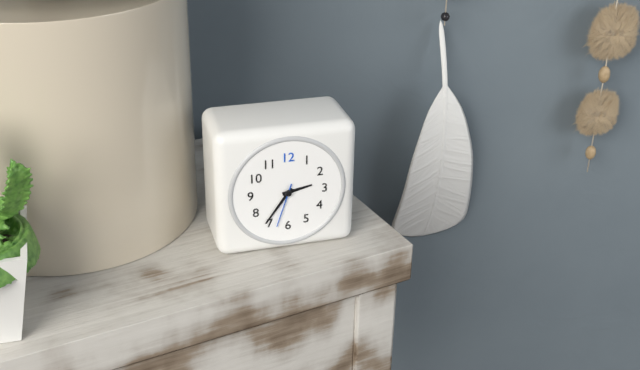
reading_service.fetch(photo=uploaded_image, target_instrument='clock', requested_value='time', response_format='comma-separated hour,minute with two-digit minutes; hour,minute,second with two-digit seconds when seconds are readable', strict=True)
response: 2,36
